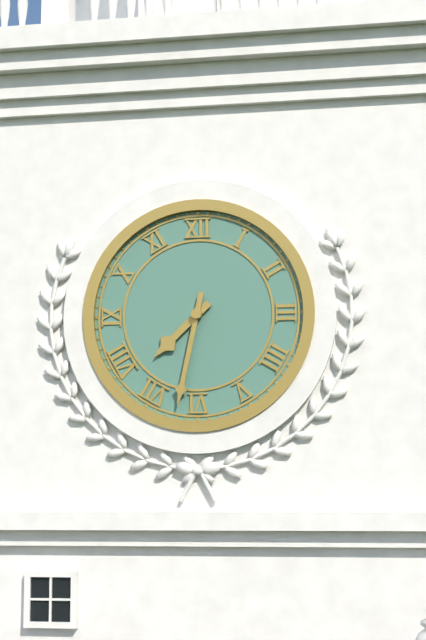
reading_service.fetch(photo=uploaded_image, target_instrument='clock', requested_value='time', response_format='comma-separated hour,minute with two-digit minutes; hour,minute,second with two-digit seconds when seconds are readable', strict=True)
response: 7,32
